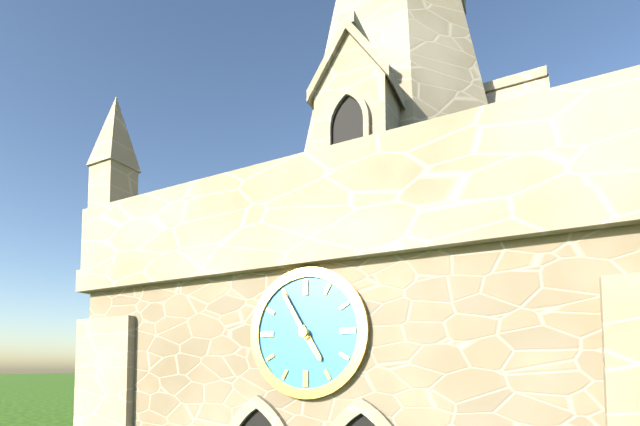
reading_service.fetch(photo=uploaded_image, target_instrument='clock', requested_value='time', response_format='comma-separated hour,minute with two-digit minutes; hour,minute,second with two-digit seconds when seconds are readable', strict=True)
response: 4,55
